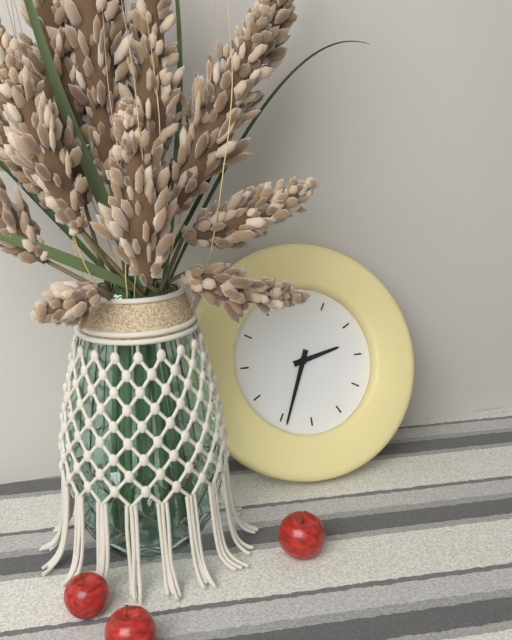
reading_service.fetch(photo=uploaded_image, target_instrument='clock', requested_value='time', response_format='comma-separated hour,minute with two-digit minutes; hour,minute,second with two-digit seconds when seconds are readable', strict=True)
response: 2,34
